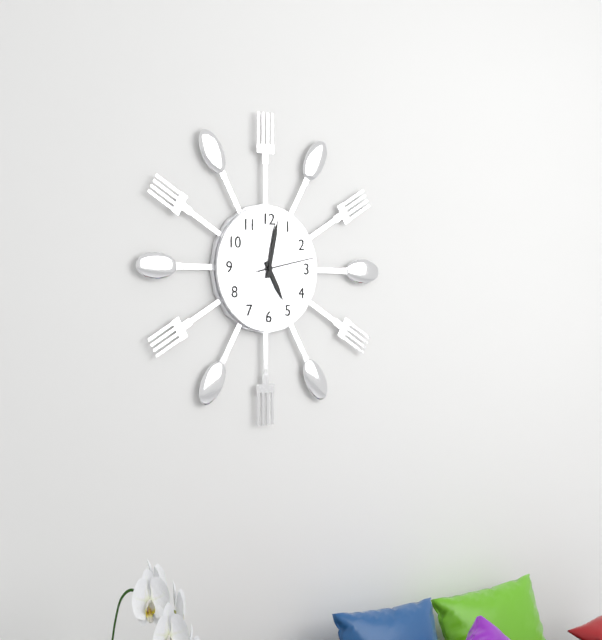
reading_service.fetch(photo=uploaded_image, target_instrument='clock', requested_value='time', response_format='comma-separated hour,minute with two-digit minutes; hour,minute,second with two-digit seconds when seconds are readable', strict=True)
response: 5,02,13
